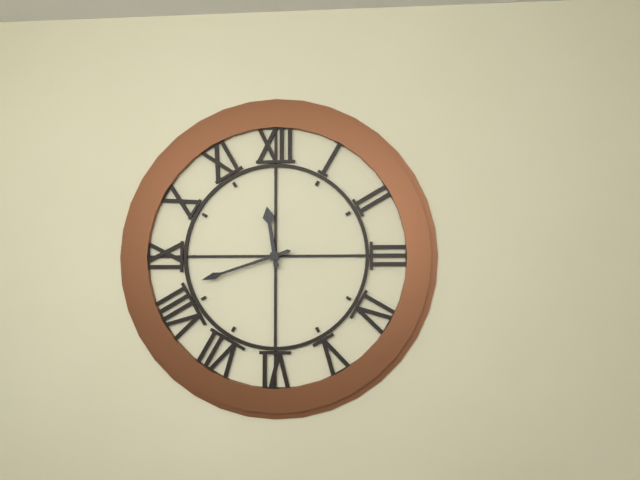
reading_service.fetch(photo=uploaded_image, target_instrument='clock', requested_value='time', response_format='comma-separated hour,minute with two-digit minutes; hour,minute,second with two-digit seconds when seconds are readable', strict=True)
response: 11,42
